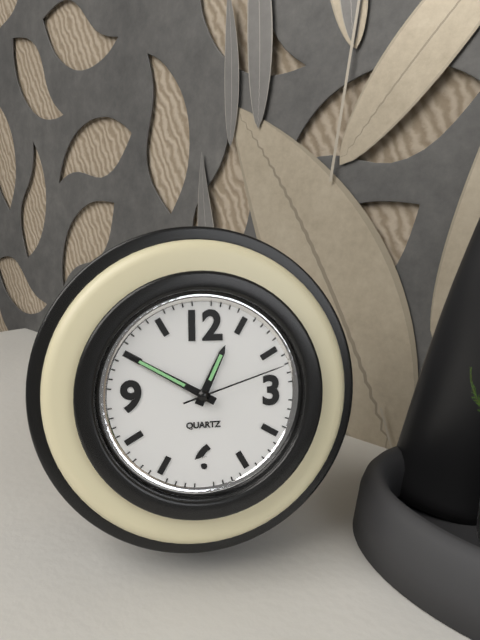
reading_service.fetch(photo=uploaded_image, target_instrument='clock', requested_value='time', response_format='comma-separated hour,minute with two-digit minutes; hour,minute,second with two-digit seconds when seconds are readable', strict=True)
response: 12,50,12
